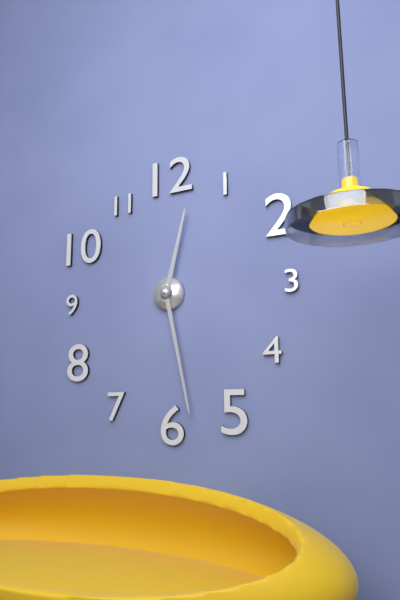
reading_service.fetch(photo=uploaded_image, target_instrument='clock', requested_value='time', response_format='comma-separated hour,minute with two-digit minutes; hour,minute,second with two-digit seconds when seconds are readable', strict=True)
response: 12,28
